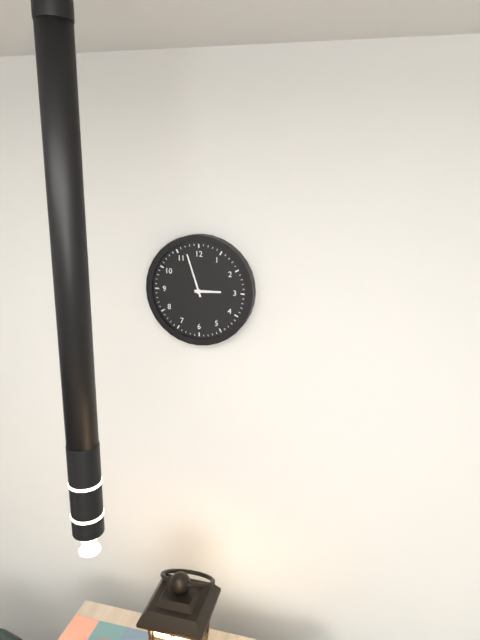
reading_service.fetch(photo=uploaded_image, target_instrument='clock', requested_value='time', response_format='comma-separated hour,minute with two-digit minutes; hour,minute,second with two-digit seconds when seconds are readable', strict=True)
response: 2,57
